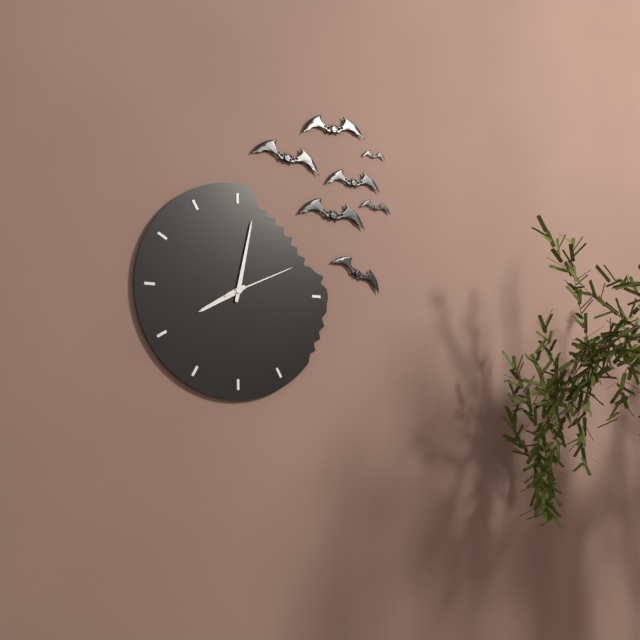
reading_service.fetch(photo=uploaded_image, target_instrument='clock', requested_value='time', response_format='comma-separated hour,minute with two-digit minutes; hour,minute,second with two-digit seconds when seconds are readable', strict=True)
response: 8,02,11
